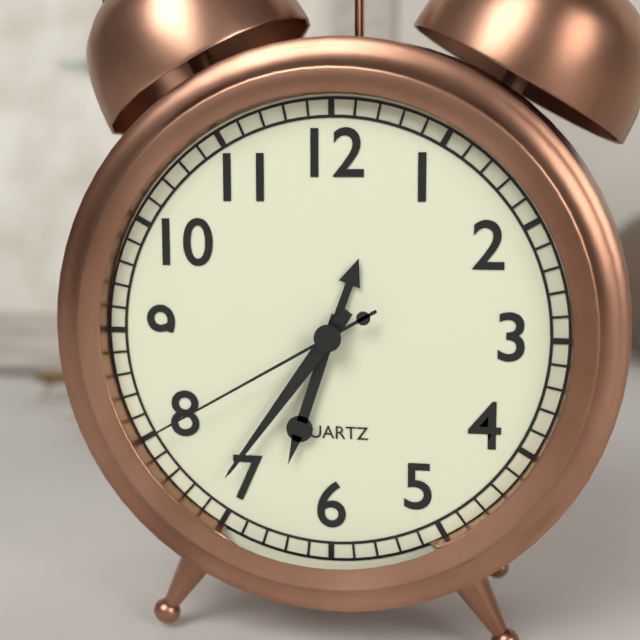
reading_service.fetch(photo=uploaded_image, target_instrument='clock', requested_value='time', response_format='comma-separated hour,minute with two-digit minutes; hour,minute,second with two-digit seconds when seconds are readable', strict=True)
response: 6,36,40
